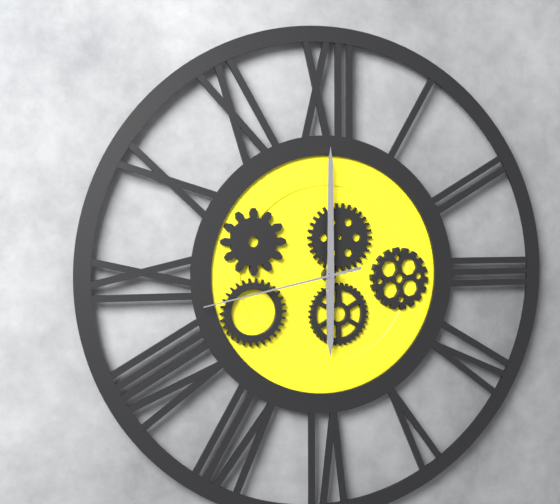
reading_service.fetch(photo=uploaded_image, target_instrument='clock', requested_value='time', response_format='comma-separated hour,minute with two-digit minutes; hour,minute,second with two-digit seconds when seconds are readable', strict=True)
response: 6,00,43
